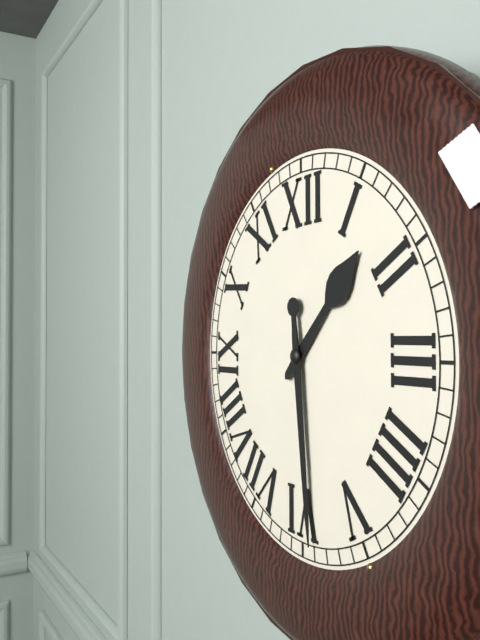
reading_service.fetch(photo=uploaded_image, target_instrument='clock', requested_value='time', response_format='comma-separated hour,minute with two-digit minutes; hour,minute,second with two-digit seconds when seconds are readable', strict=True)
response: 1,29
